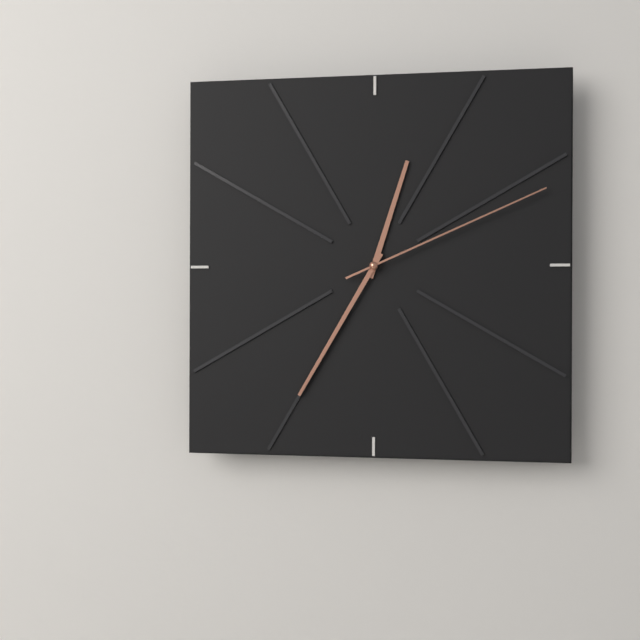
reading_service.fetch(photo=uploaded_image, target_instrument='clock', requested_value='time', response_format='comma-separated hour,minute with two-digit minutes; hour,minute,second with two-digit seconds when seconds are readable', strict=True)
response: 12,35,11
